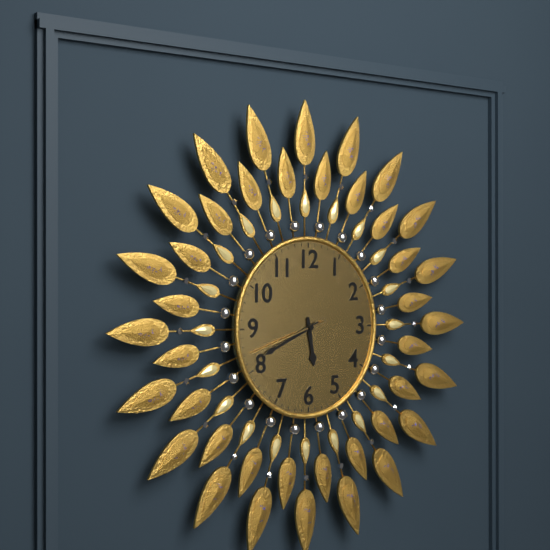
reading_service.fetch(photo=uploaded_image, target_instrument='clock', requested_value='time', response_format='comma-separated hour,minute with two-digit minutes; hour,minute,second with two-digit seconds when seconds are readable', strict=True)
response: 5,41,42
